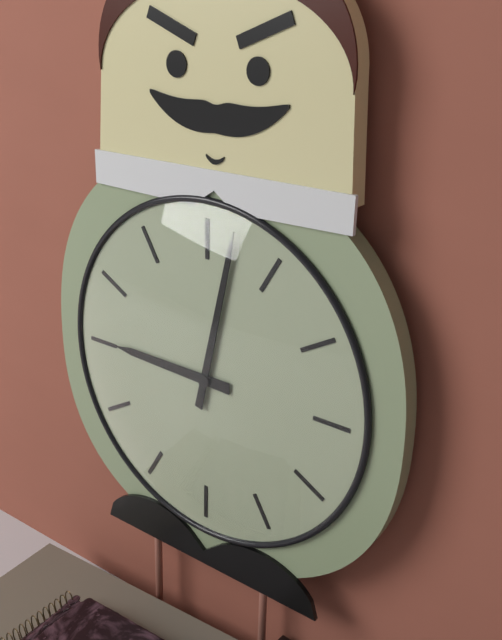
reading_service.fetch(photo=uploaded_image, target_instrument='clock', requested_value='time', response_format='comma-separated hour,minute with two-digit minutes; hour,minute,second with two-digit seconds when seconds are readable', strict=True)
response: 9,02
